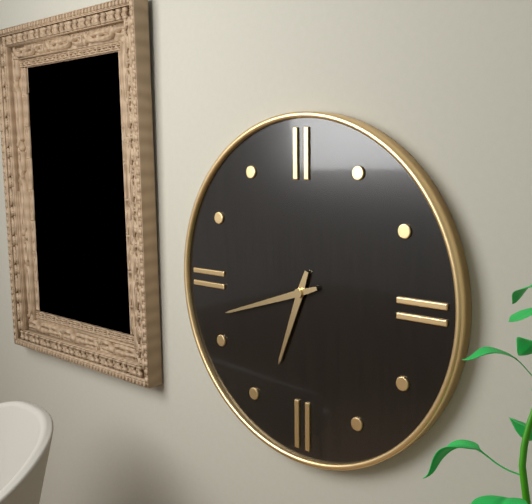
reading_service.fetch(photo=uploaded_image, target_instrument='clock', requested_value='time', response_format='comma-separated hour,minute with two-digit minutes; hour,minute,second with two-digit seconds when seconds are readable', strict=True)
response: 6,42
